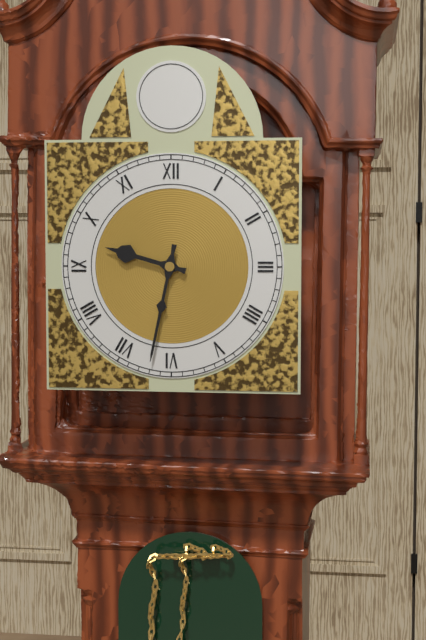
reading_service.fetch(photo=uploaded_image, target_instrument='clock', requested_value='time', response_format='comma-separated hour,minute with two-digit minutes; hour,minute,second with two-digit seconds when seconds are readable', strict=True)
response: 9,32
